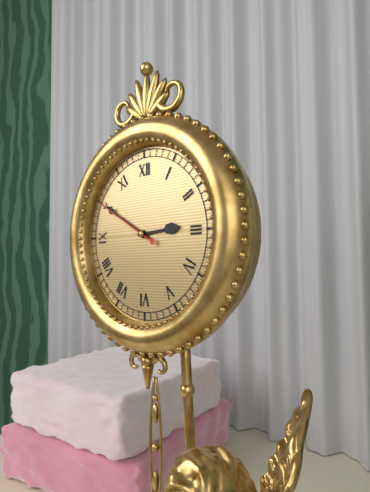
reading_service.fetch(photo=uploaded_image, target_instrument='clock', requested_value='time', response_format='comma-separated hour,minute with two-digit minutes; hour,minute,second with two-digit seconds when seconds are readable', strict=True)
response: 2,50,50
